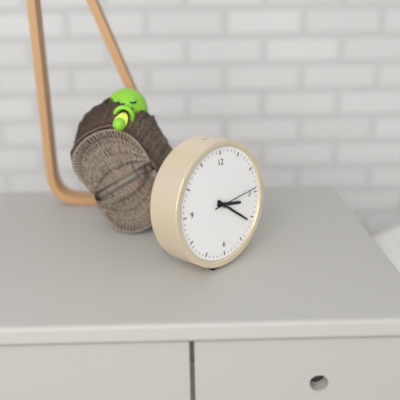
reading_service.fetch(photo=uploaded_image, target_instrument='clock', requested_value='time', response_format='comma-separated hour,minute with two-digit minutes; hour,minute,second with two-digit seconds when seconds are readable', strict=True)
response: 3,21
